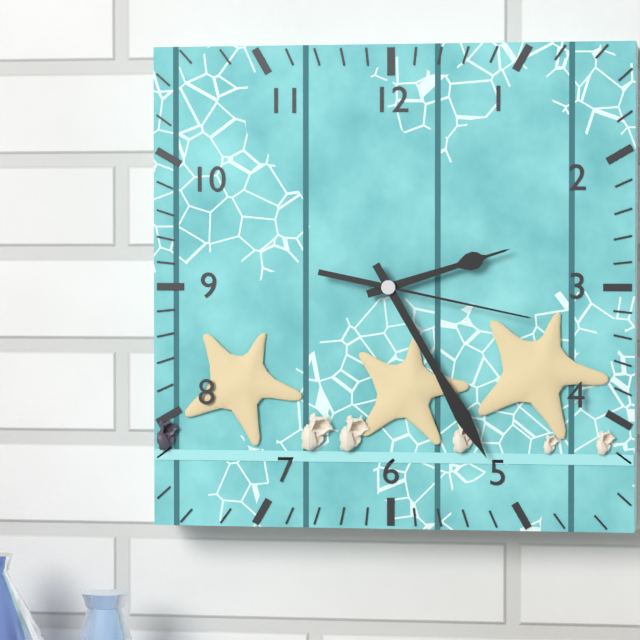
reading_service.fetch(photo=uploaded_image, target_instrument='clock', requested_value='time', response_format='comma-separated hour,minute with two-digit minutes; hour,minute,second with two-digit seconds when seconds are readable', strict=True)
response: 2,25,17
